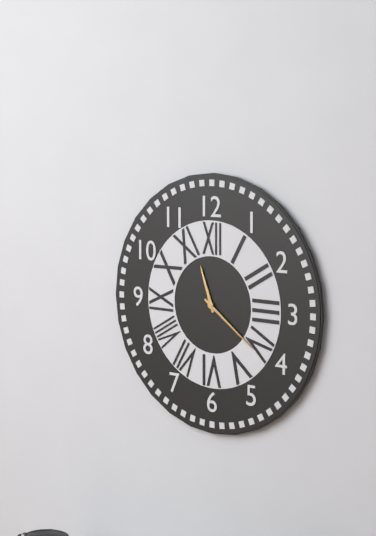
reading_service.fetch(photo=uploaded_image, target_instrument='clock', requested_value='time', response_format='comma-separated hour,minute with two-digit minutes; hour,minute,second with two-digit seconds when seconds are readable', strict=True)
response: 11,21
